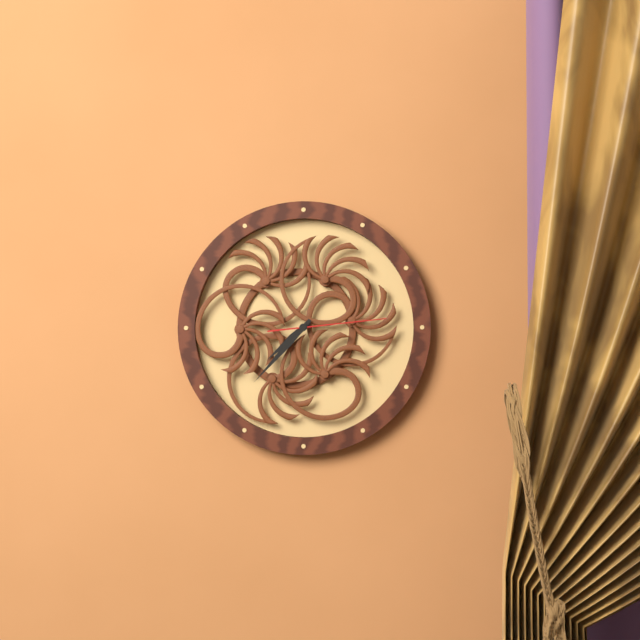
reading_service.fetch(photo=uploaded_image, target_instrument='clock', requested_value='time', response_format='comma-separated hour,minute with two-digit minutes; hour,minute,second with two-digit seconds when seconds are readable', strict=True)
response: 7,37,14
